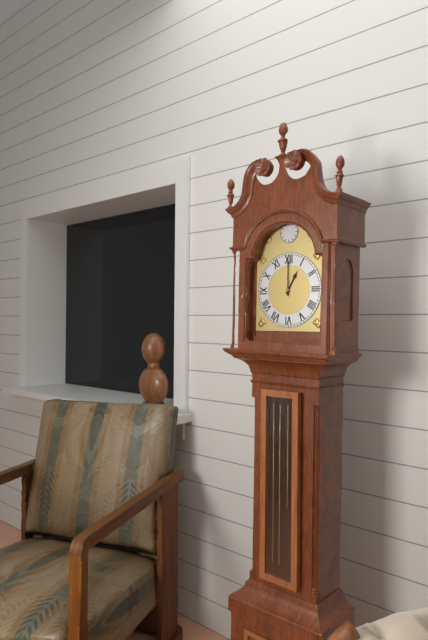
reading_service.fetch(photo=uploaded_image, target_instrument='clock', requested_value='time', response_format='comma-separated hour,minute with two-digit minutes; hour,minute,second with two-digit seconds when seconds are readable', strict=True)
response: 1,00
